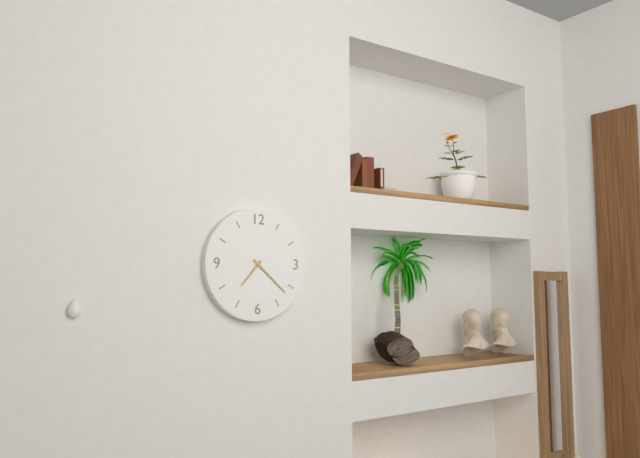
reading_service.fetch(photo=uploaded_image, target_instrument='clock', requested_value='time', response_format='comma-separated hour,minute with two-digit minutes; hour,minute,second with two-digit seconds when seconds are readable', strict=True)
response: 7,22
